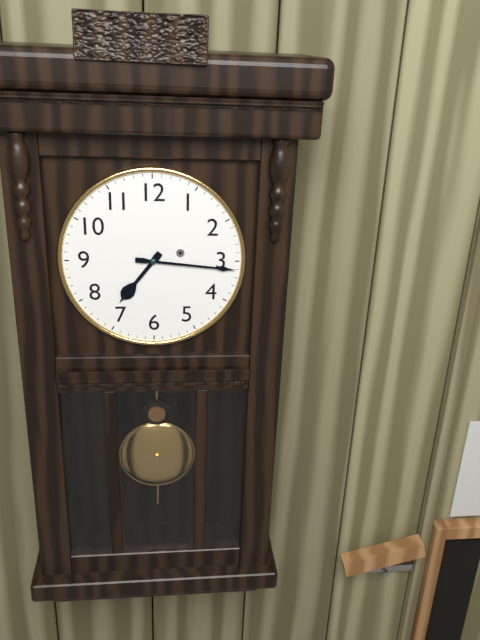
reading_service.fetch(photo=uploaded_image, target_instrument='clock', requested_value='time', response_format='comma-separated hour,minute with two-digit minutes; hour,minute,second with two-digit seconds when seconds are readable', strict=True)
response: 7,16
